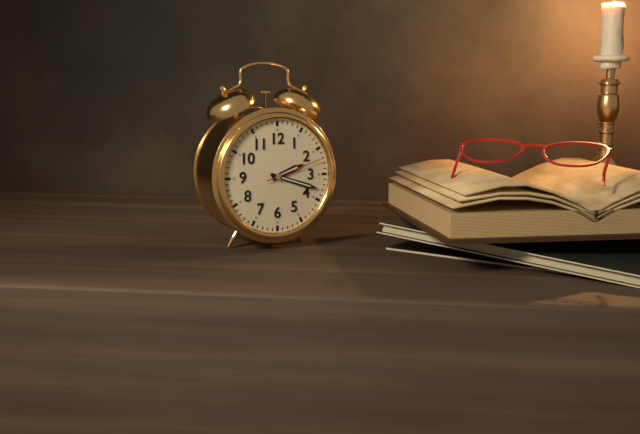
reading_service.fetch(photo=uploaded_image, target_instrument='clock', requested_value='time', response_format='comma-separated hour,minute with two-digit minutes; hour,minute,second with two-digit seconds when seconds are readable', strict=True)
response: 2,18,12
